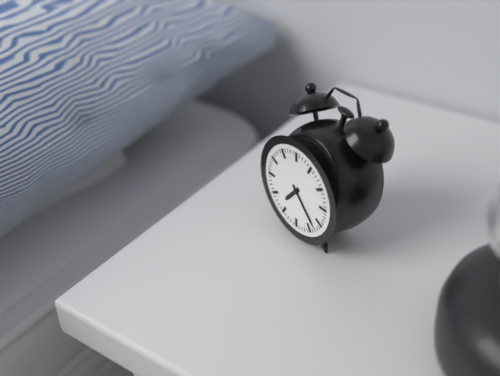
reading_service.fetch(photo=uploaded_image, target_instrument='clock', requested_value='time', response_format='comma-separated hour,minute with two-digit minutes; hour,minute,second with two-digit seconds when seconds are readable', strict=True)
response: 7,23
